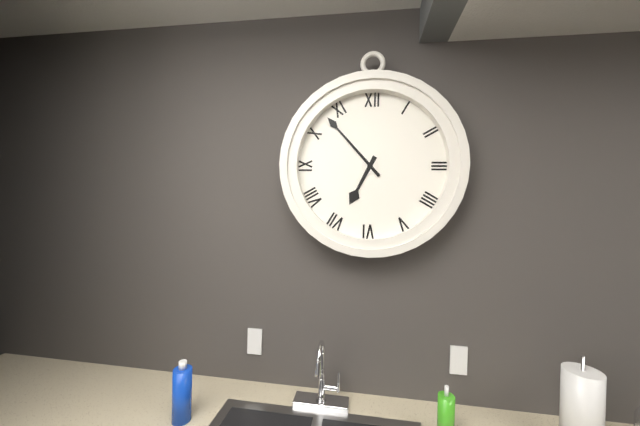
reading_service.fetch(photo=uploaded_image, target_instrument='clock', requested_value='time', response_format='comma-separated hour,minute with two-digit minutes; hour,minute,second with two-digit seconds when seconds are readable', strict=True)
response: 6,53
